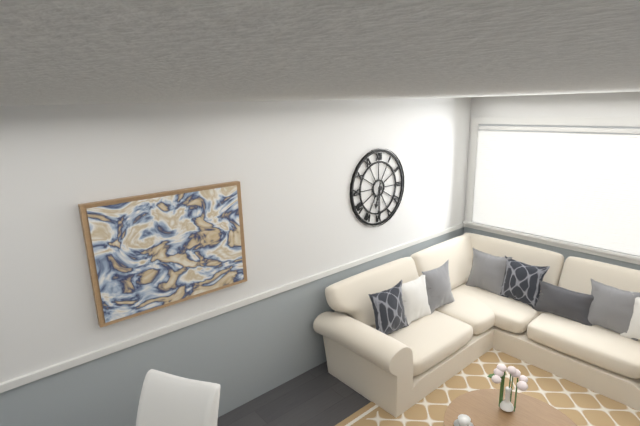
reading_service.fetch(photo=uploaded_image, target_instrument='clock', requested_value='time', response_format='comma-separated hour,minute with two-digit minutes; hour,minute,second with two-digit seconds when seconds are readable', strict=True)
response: 6,30
